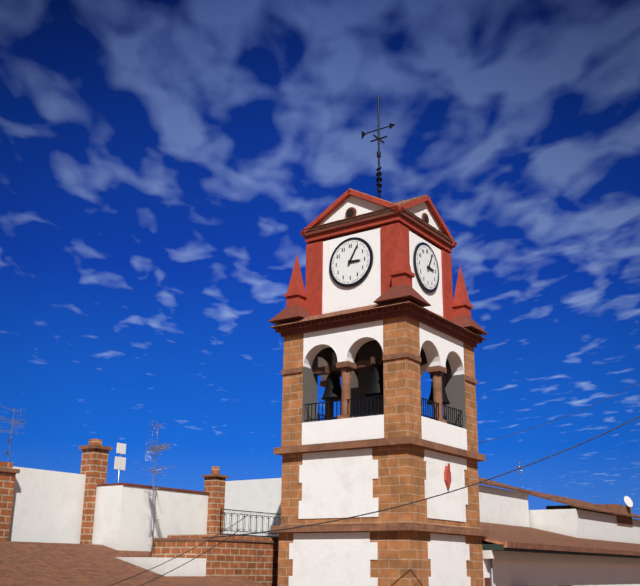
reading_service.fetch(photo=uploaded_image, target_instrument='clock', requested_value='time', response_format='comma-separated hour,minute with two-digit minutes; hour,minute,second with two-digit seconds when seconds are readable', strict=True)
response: 3,05
